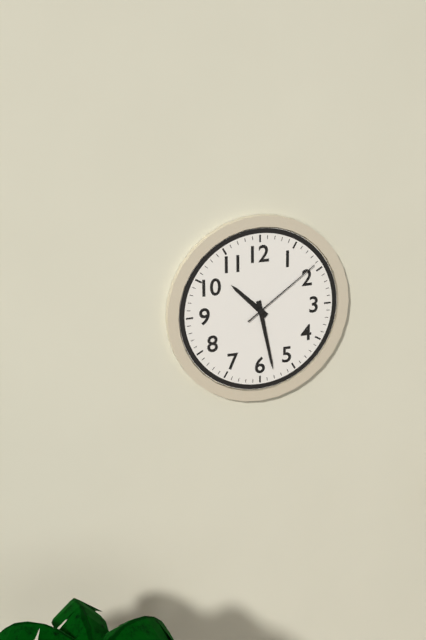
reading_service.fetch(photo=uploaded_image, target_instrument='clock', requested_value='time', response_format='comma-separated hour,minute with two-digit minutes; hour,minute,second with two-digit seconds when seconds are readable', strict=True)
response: 10,28,09
